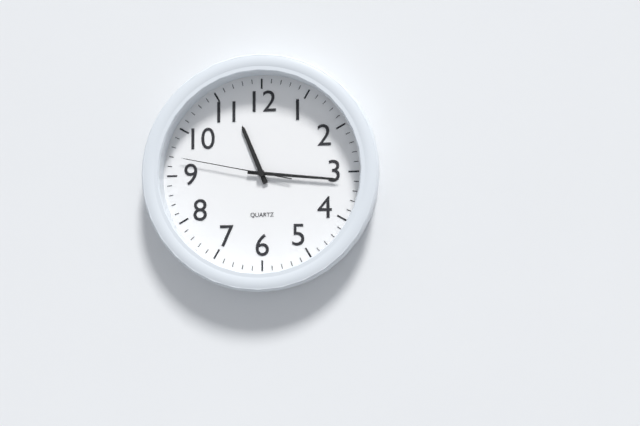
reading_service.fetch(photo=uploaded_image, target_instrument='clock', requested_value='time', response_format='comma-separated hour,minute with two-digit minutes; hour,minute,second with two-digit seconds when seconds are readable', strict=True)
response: 11,16,47
